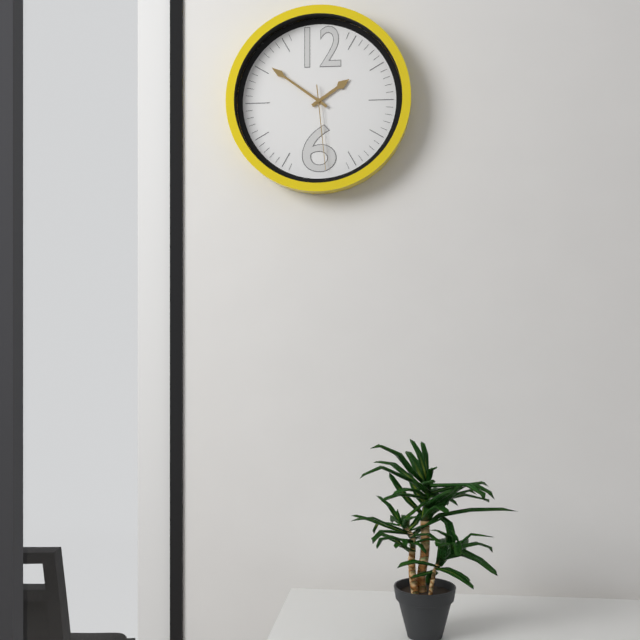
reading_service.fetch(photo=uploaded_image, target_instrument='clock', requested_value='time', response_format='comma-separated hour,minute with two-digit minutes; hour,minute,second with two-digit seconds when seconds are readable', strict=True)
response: 1,51,29
